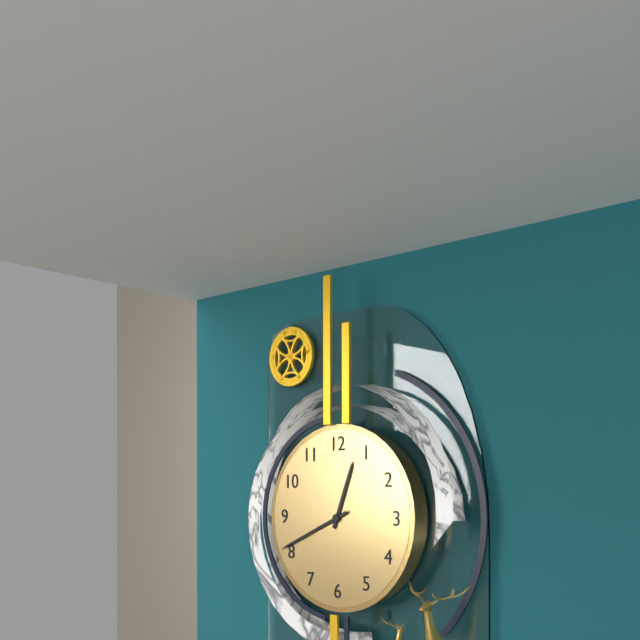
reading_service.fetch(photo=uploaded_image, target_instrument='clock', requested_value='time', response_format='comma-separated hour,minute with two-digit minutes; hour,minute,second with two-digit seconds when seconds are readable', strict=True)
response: 12,41
